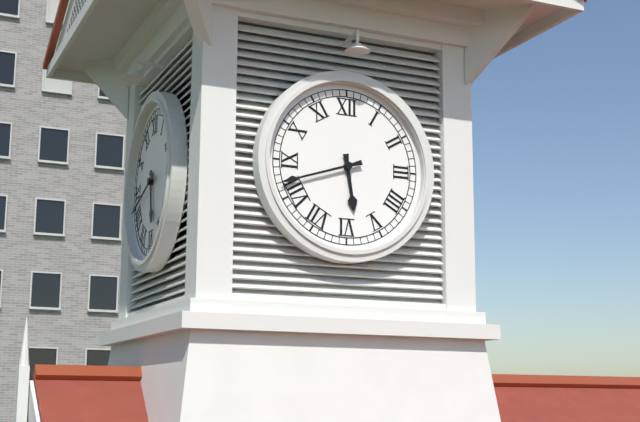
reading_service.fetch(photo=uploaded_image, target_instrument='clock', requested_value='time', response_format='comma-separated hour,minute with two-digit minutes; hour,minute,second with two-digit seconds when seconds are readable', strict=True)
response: 5,42
